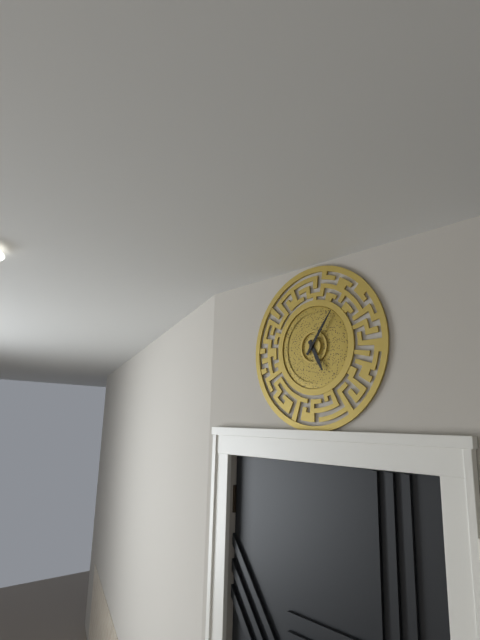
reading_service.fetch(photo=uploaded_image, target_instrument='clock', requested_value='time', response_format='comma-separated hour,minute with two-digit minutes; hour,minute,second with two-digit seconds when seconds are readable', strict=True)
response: 5,06
